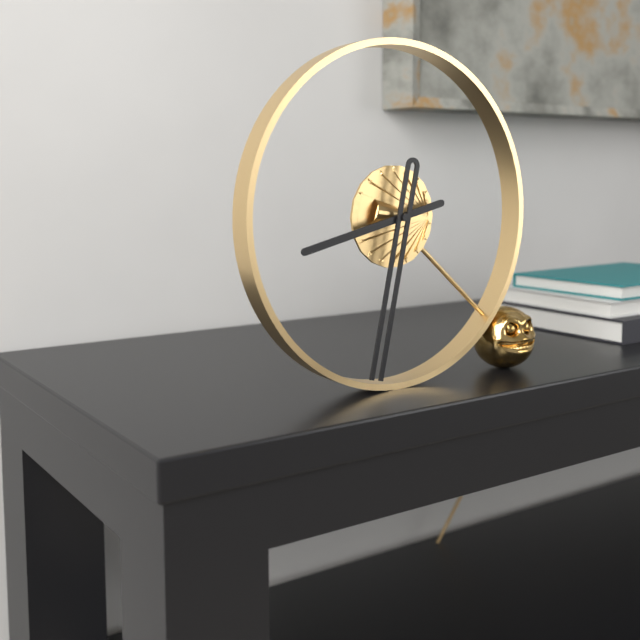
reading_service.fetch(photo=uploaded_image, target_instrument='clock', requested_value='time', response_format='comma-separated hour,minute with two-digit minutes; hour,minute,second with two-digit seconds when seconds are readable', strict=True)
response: 8,32
